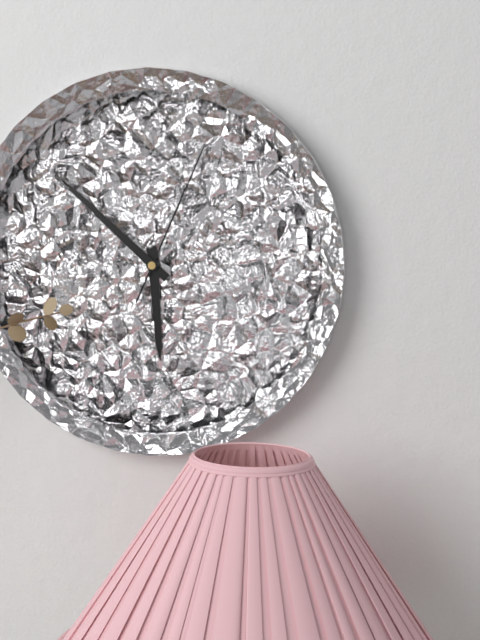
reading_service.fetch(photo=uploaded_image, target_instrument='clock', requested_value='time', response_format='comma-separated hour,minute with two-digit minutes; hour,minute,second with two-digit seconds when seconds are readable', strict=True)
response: 5,52,04
